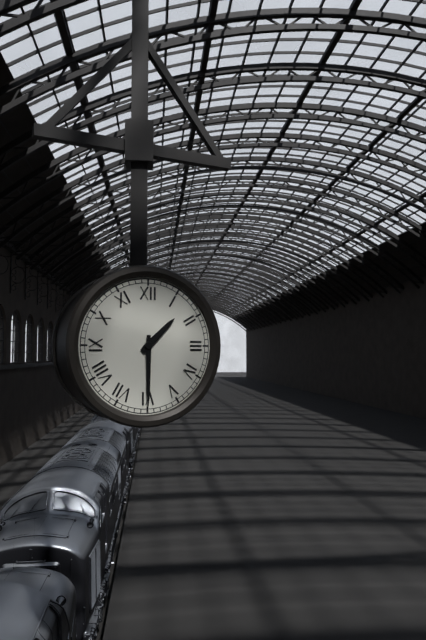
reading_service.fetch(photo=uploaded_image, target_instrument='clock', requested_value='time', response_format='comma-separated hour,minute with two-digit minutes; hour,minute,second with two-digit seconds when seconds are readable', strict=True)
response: 1,30
